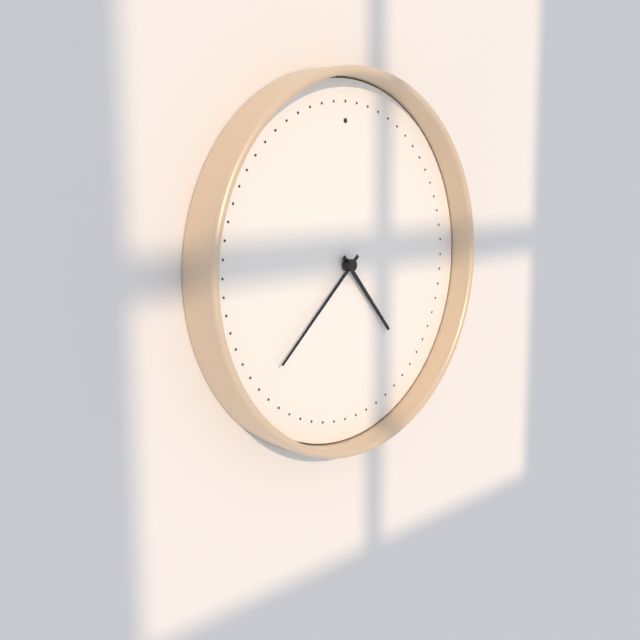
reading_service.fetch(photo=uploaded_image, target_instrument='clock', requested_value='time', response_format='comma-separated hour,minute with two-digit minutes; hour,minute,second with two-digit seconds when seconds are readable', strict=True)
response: 4,38
